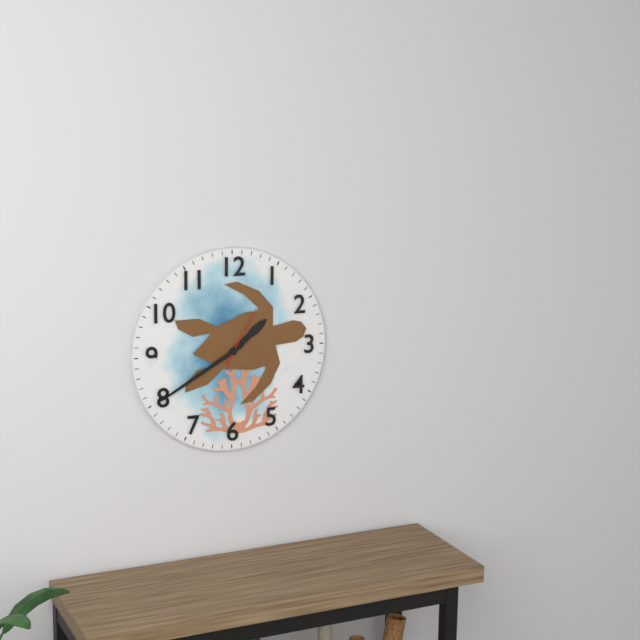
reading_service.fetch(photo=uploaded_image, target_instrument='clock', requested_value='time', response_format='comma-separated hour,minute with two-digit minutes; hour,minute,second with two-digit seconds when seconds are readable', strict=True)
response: 1,40,05
